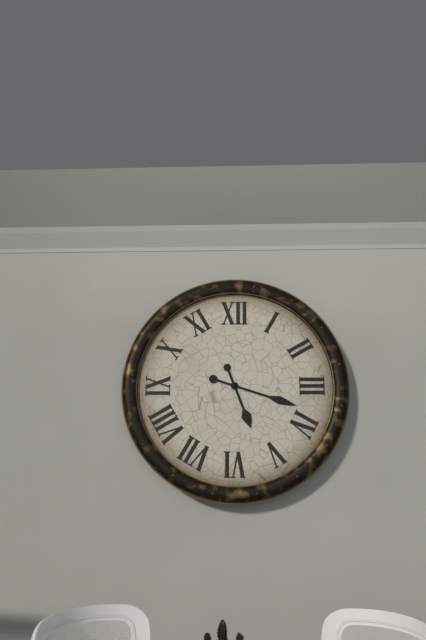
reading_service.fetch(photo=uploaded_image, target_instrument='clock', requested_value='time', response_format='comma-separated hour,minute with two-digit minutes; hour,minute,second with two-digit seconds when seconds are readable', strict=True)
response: 5,18
